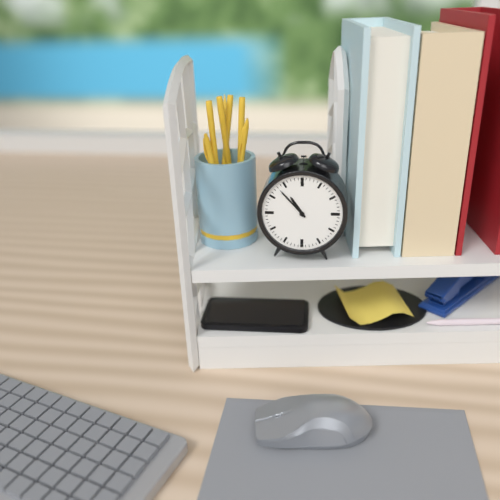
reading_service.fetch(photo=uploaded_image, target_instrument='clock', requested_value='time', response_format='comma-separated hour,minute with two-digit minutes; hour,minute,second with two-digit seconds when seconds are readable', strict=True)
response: 10,53
